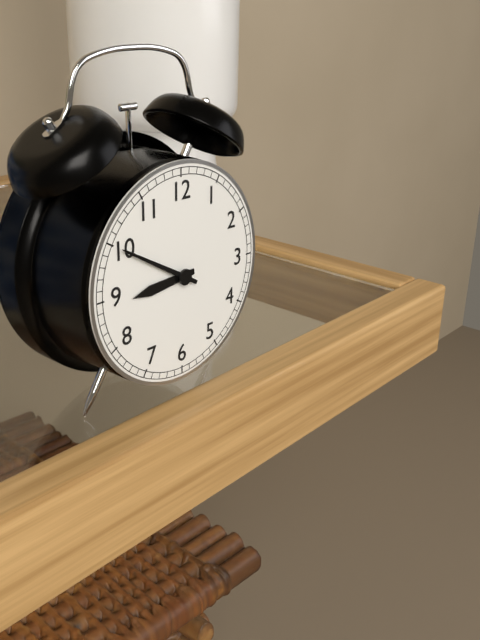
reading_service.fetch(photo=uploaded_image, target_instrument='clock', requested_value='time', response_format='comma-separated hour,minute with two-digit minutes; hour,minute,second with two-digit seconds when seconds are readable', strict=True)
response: 8,50
